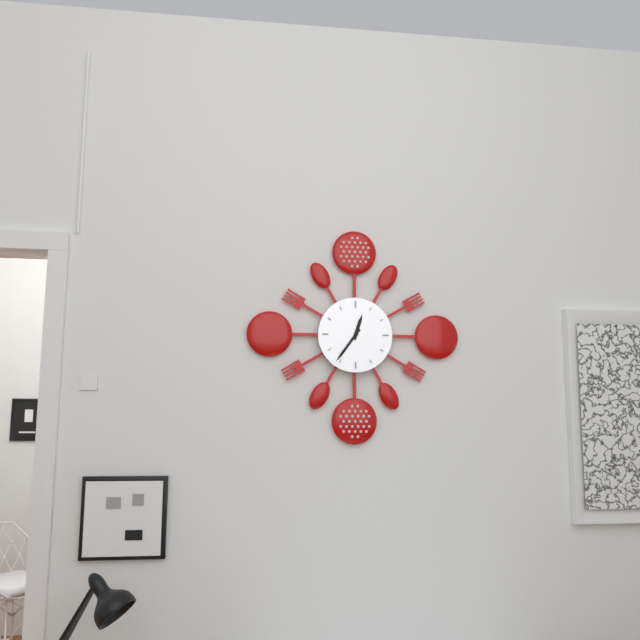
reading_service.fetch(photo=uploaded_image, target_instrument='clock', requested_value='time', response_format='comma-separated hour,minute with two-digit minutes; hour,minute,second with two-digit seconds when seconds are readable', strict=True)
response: 12,36
